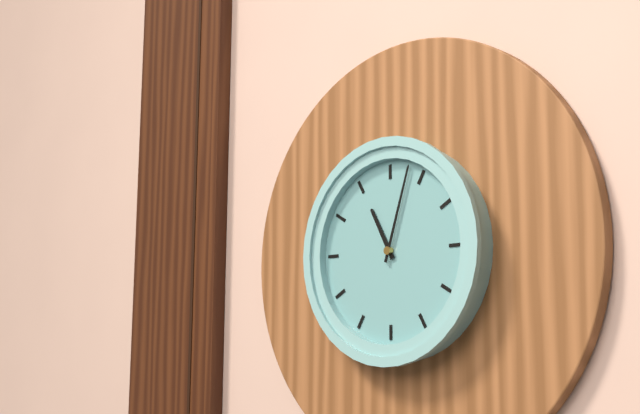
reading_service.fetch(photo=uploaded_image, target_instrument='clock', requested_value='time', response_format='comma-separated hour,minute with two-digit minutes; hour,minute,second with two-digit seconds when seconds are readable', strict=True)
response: 11,03
